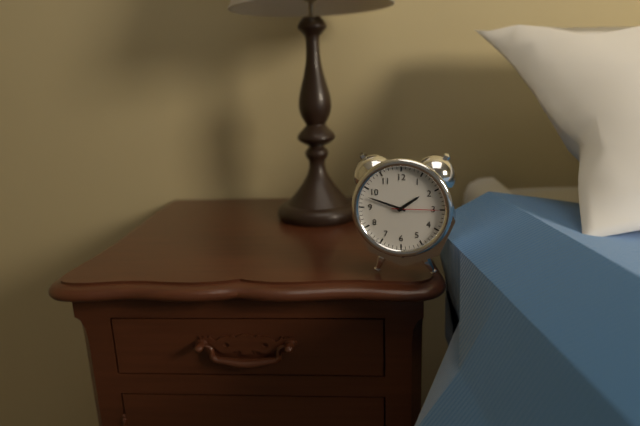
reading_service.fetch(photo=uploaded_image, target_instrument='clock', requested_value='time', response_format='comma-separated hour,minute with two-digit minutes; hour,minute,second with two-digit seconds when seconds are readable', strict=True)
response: 1,48
